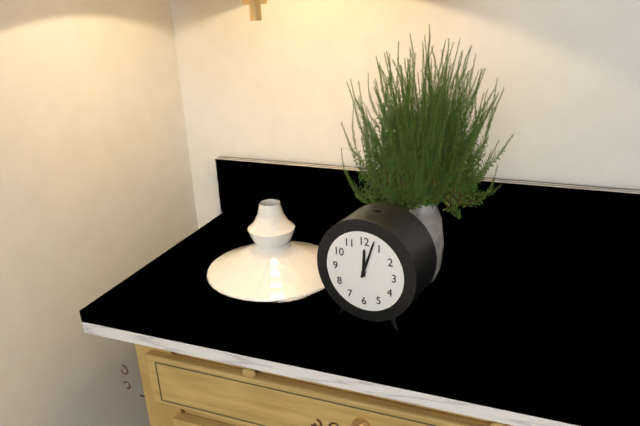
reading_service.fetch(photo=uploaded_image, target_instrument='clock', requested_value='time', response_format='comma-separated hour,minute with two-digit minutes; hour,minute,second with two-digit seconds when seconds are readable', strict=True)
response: 12,03
